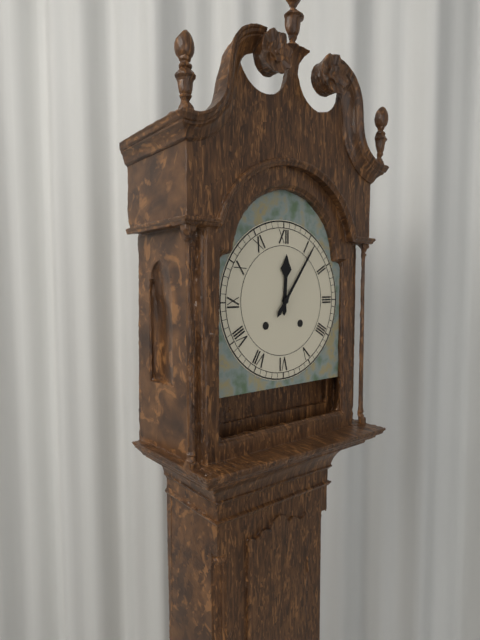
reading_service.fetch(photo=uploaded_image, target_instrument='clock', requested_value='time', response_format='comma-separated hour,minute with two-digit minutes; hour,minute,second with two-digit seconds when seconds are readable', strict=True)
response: 12,06
